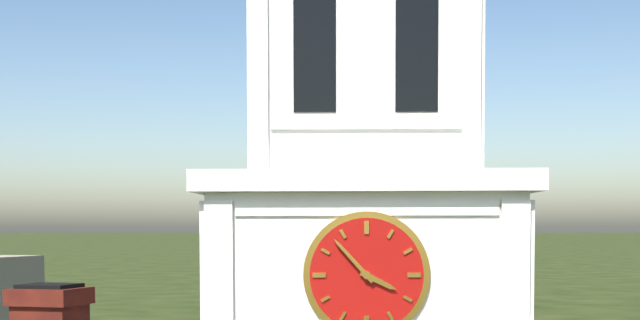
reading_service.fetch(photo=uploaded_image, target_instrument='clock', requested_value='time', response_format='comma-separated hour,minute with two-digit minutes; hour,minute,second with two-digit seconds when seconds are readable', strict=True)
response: 3,53
